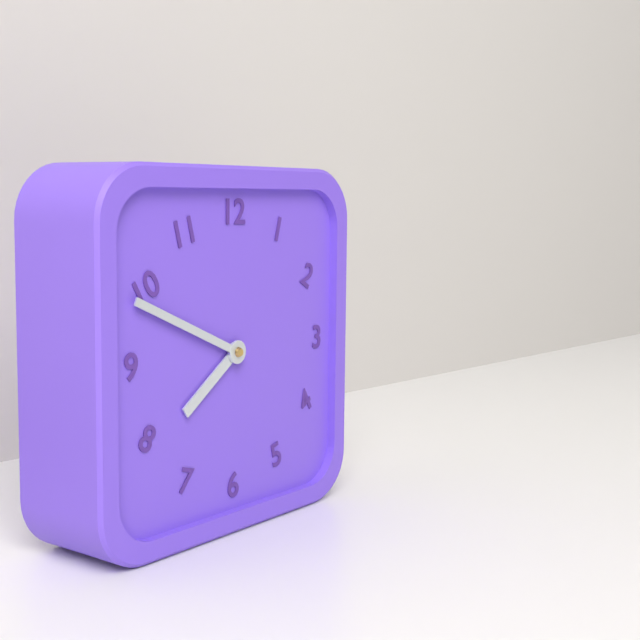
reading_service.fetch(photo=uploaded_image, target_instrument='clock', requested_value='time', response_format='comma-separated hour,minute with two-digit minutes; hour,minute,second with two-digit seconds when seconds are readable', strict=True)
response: 7,49
